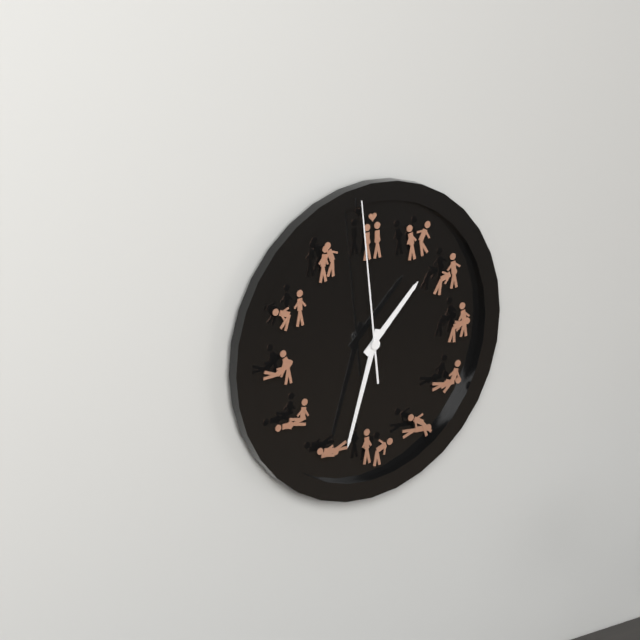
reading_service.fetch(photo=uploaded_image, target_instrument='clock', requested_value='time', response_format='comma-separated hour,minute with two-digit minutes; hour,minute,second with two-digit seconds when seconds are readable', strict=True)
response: 1,33,59
